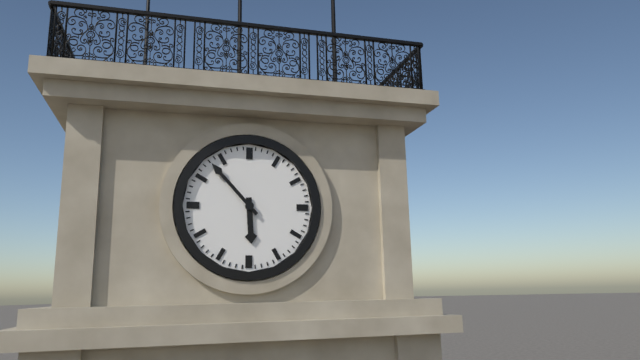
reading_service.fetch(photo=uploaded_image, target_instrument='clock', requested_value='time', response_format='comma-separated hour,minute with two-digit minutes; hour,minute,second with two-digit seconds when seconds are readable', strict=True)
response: 5,53
